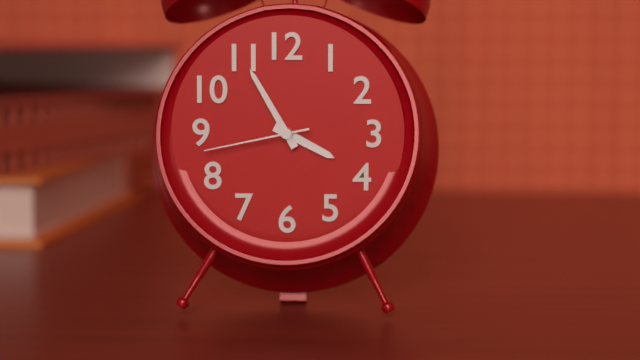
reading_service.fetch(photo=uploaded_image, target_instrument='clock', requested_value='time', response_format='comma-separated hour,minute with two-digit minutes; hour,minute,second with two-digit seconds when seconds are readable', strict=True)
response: 3,55,43
